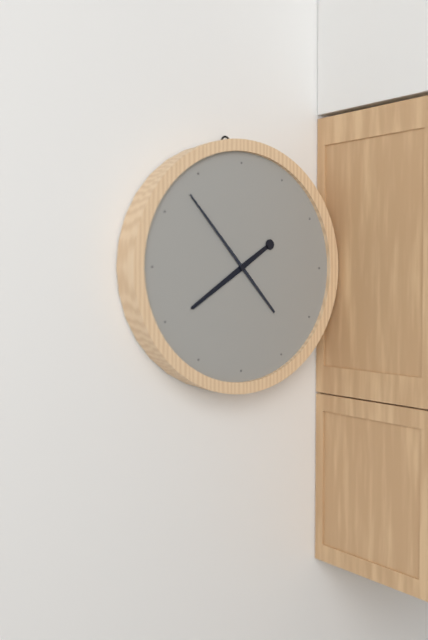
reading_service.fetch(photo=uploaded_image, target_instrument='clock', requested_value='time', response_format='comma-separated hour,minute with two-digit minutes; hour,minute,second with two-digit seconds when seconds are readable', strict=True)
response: 7,53
